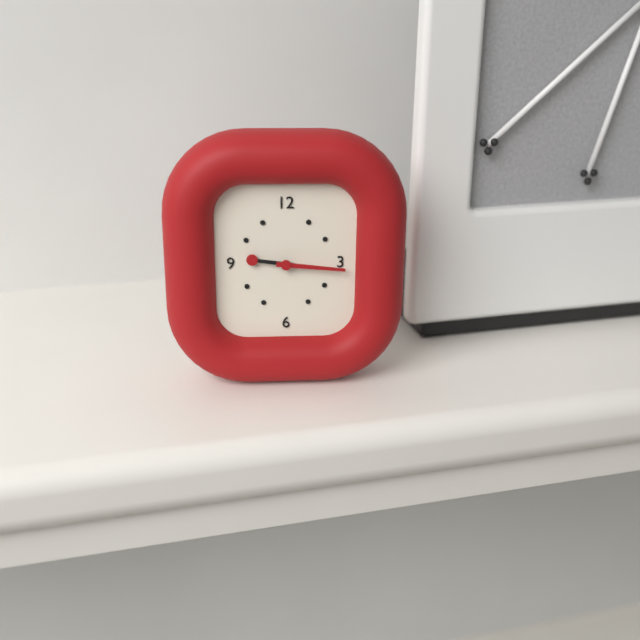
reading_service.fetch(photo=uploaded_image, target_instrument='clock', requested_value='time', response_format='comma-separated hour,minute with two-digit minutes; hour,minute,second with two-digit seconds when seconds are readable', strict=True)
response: 9,16
